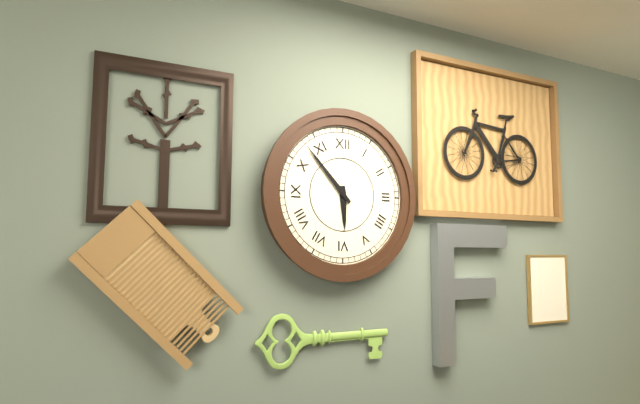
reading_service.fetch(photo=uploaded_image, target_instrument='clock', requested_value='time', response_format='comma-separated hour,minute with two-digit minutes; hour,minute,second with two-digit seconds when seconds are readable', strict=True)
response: 5,53
